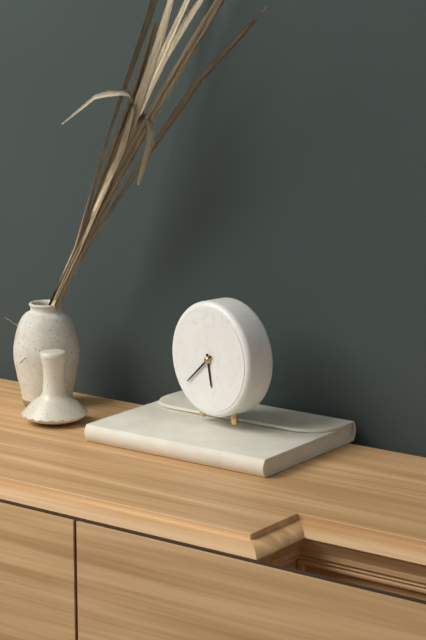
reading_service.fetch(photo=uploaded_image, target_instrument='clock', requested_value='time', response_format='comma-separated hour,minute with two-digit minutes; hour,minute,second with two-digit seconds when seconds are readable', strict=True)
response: 5,38
